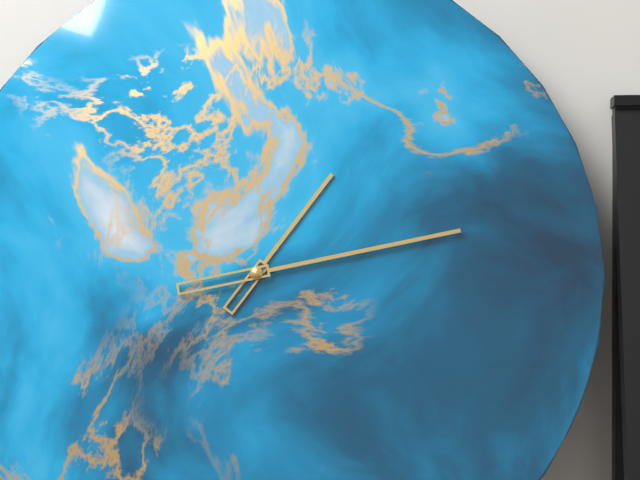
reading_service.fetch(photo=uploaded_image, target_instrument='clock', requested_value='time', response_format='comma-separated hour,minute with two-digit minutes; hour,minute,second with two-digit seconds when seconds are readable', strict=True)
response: 1,13
